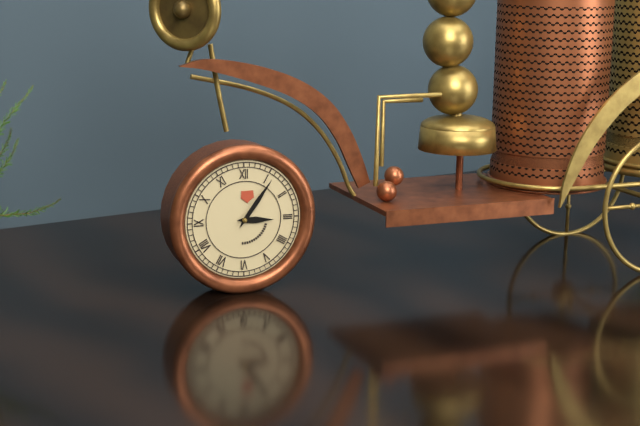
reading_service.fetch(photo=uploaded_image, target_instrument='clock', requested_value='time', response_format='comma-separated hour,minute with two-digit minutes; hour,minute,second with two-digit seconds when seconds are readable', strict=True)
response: 3,06
